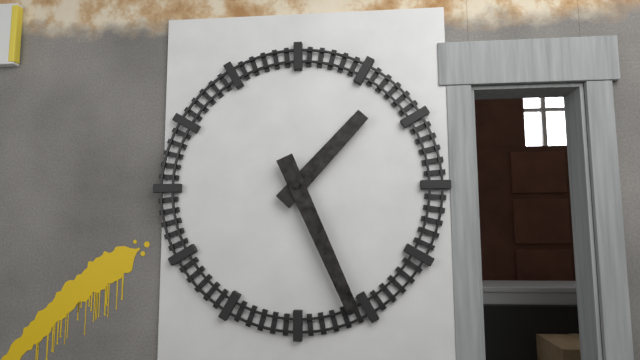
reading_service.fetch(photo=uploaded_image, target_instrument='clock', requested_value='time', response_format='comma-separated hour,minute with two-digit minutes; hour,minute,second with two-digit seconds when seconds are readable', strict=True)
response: 1,26
